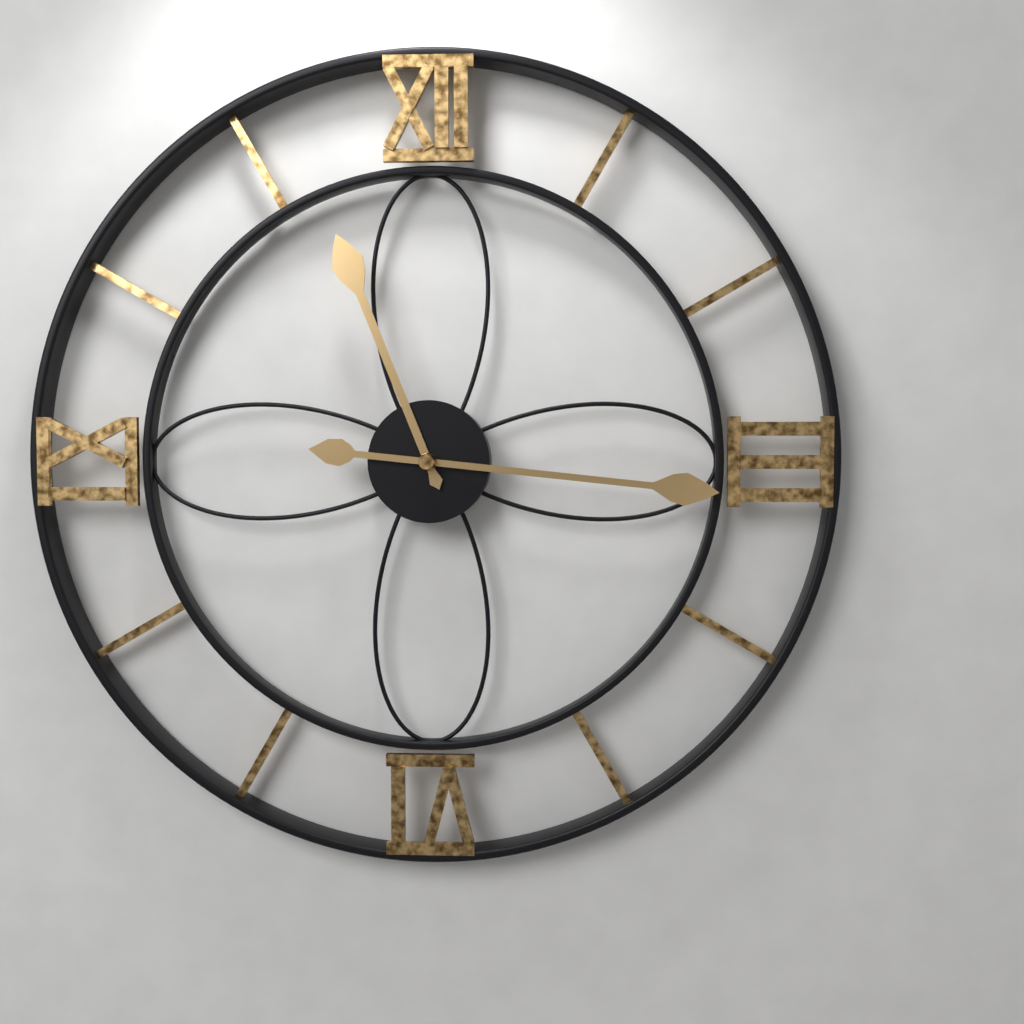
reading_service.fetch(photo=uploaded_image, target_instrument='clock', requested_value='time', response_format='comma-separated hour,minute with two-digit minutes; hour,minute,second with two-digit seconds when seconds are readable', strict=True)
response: 11,16
